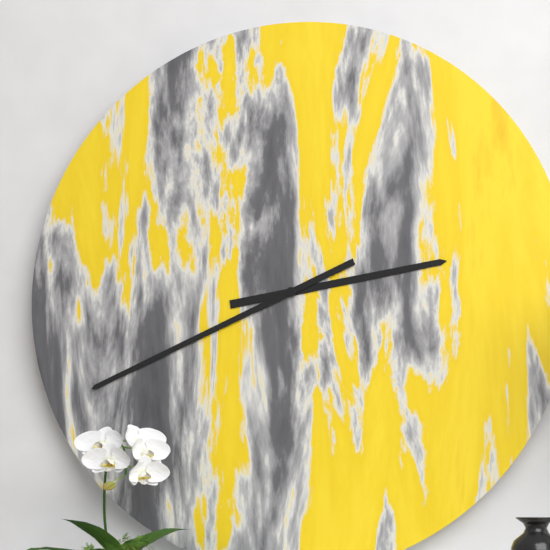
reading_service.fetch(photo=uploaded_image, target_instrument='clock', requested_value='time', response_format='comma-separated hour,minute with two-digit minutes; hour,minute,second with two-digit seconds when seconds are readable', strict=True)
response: 2,41
